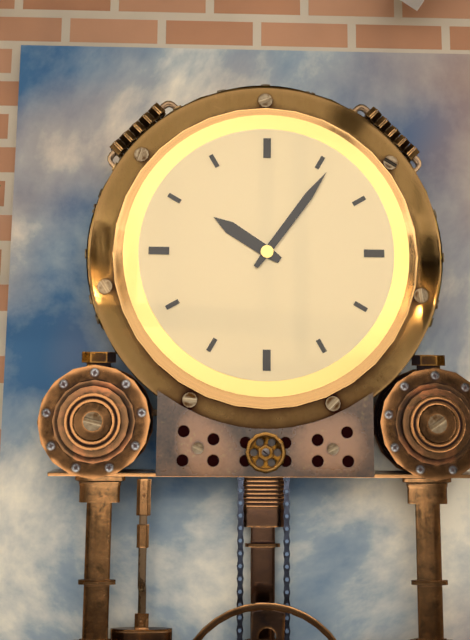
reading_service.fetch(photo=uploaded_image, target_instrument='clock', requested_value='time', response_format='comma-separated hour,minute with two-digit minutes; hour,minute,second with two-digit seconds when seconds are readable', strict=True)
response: 10,06
